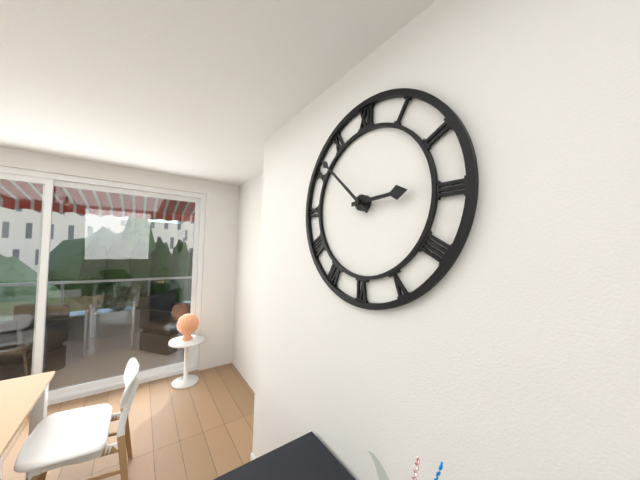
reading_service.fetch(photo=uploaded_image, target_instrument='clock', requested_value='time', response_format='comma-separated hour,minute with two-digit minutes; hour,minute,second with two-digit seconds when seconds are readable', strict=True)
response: 2,52
